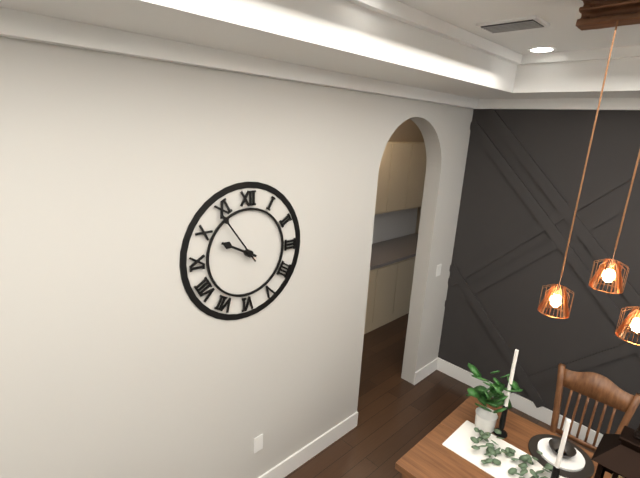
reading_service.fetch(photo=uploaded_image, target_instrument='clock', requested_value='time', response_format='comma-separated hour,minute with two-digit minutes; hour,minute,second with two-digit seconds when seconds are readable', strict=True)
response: 9,54
